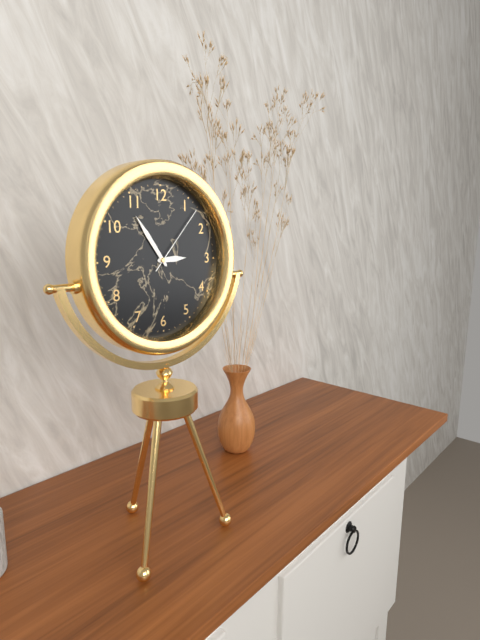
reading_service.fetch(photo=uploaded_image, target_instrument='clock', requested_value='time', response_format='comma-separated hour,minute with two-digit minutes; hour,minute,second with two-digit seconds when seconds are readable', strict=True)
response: 2,54,07
